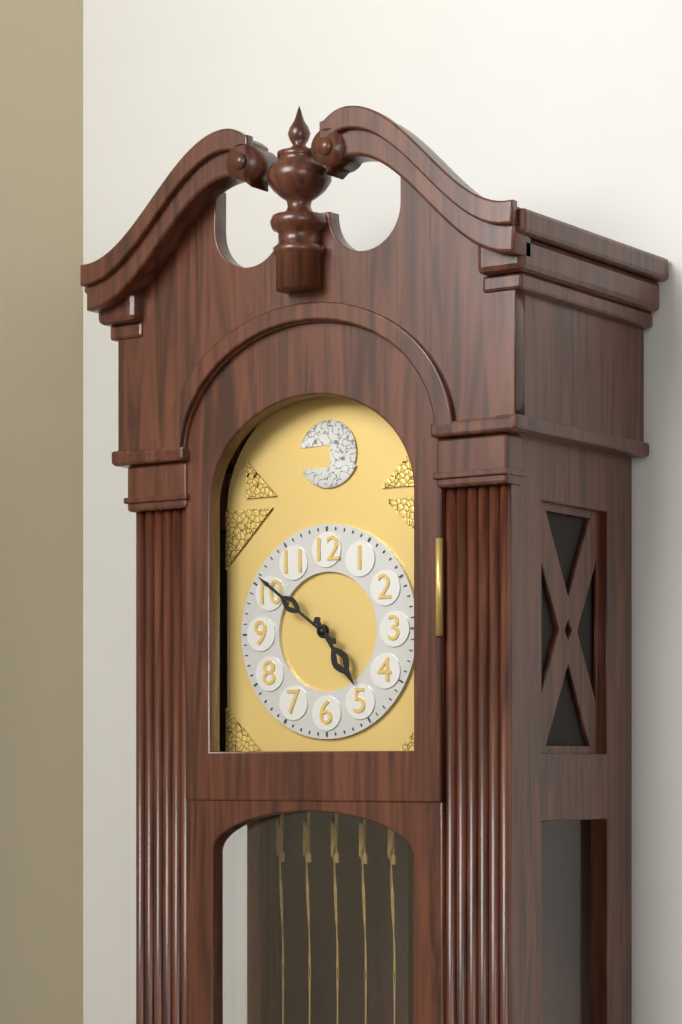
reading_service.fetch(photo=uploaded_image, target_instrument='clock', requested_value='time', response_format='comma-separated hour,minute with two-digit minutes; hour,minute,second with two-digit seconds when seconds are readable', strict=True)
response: 4,51
